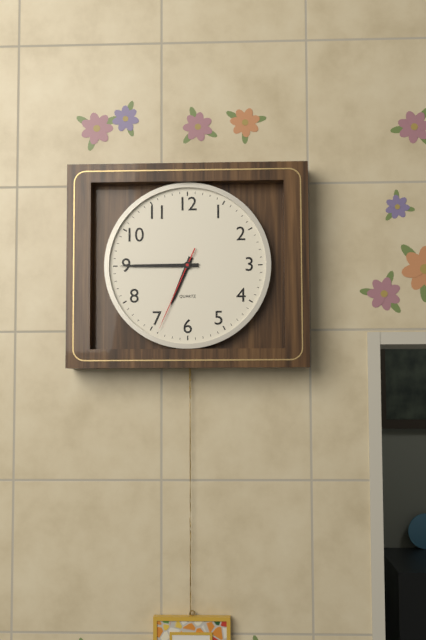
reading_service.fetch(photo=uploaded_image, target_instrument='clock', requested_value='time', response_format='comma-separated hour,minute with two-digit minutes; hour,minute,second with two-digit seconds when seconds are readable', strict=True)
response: 6,45,34
